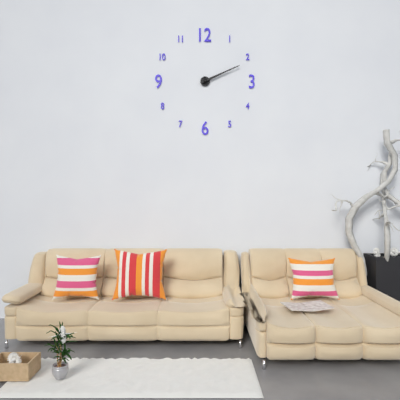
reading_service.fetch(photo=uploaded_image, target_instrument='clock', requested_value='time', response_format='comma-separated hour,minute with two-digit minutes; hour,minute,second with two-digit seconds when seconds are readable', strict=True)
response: 2,11
